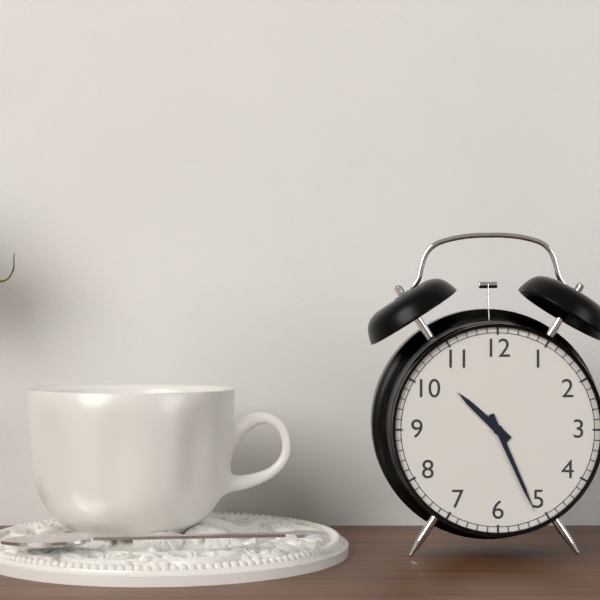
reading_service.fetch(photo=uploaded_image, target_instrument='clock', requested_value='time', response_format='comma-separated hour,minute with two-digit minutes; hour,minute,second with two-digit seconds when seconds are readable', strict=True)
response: 10,26
